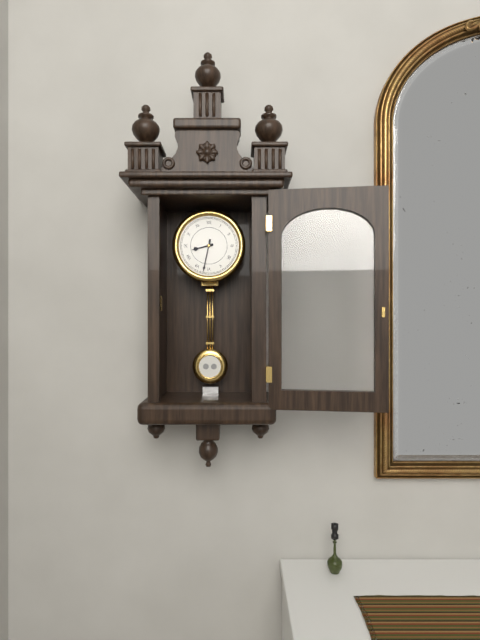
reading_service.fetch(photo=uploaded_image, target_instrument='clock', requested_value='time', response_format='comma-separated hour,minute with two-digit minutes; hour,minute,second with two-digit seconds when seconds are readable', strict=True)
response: 8,32
